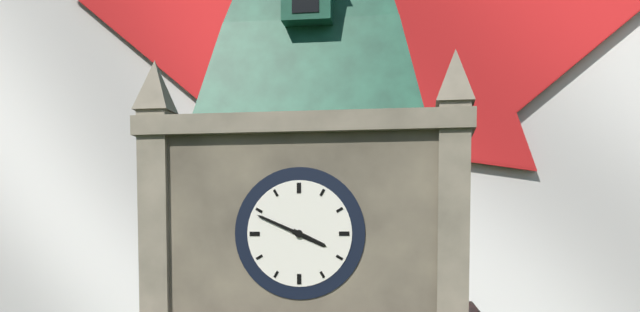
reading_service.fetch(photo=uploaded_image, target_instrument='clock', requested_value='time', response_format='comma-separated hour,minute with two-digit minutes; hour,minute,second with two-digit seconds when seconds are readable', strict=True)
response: 3,49
